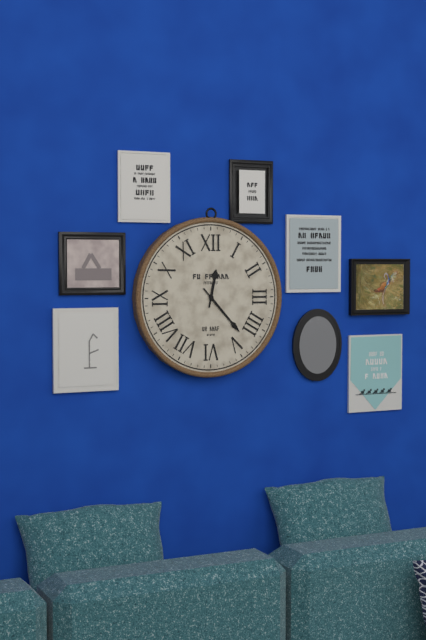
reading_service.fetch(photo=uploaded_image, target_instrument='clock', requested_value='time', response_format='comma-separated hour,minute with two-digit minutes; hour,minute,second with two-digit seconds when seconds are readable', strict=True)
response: 12,23
